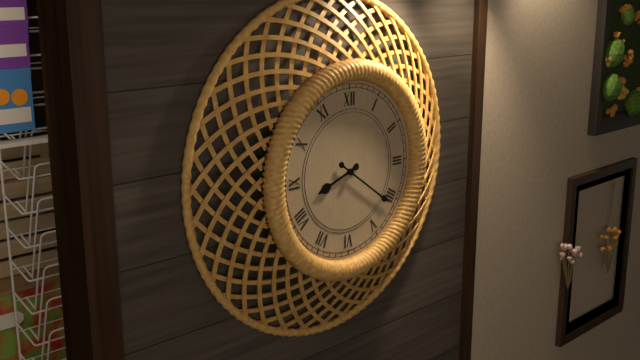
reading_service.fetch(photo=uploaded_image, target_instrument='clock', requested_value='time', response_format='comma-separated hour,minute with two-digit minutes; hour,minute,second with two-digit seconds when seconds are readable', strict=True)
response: 8,21
